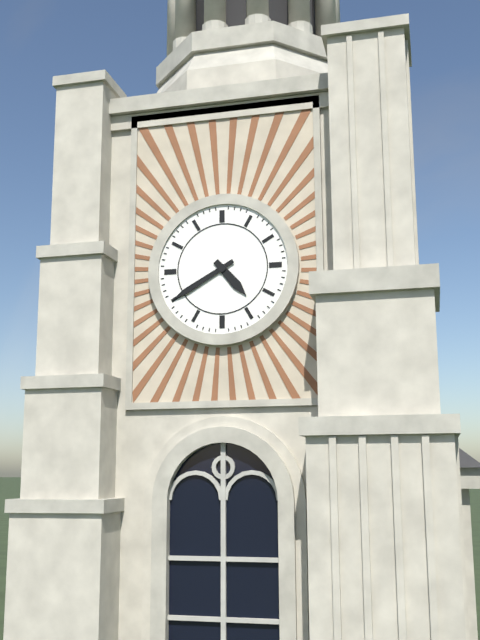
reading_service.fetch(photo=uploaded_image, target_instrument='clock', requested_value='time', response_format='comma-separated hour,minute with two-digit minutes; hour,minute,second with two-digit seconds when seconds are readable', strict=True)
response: 4,40
